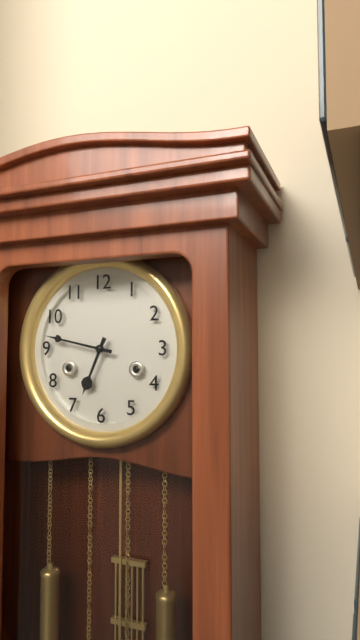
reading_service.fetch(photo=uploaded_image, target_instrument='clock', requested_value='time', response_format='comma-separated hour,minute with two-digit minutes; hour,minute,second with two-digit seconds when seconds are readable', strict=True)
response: 6,47
